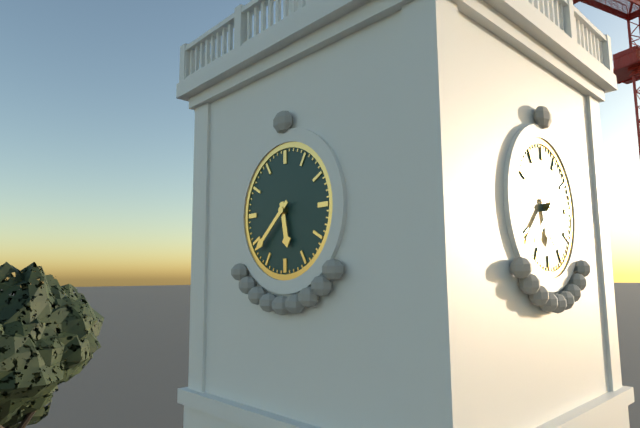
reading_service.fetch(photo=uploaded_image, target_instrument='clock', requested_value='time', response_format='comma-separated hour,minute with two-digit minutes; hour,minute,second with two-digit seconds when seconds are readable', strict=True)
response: 5,38
